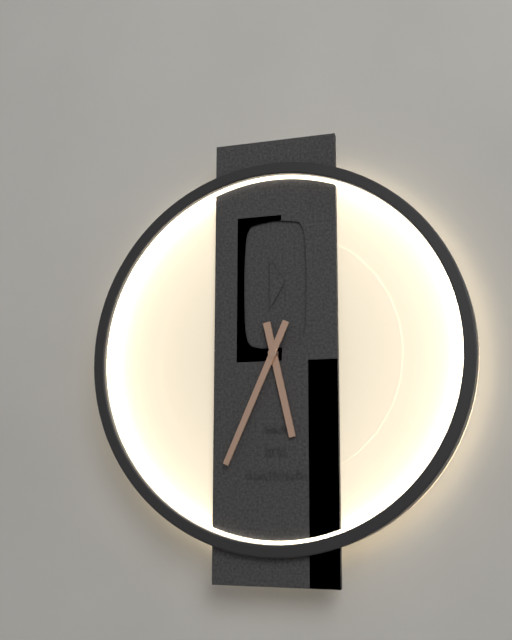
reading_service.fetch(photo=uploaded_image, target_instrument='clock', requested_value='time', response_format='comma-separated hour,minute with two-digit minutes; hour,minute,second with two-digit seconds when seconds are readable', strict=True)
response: 5,34
